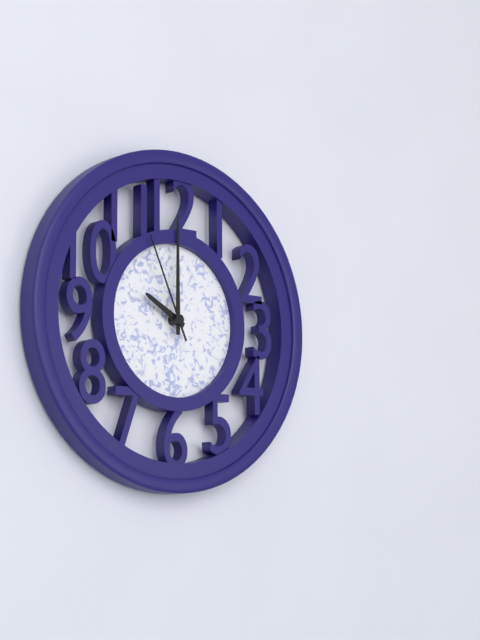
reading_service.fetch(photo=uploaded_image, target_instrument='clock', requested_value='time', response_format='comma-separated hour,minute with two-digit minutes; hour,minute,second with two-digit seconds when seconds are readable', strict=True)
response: 10,00,56
